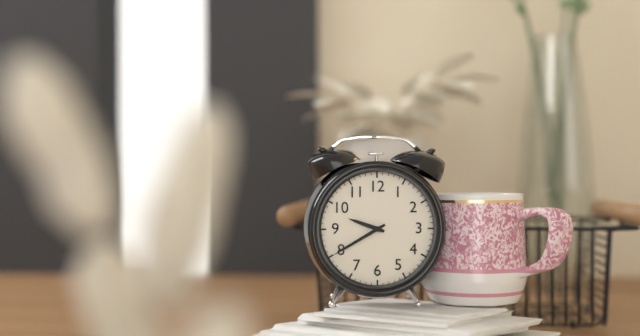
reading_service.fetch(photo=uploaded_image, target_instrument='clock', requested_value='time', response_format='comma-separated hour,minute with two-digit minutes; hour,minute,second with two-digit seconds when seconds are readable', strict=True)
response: 9,40
